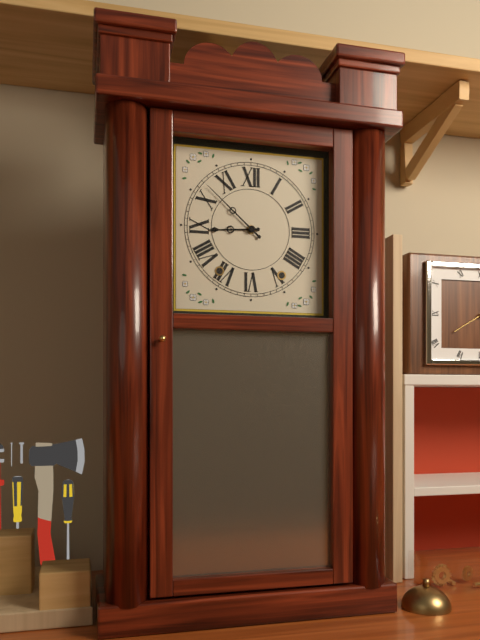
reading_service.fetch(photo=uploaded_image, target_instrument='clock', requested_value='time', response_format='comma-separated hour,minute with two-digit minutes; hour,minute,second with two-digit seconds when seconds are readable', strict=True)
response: 8,52
